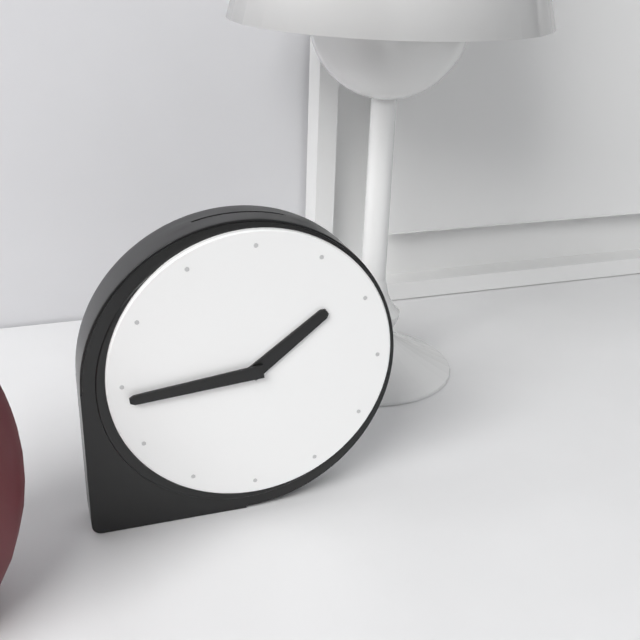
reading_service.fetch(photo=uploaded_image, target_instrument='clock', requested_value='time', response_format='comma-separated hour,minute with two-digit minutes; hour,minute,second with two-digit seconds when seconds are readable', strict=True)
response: 1,44
